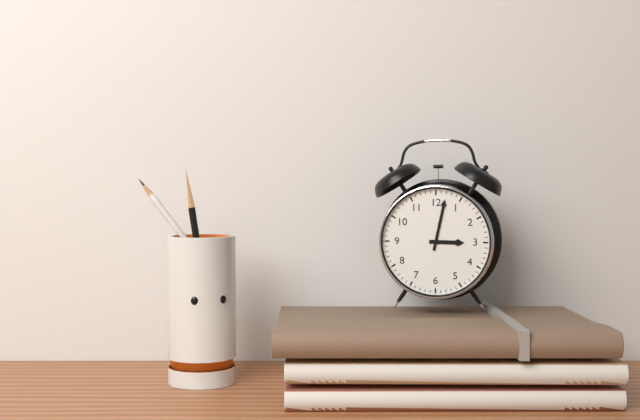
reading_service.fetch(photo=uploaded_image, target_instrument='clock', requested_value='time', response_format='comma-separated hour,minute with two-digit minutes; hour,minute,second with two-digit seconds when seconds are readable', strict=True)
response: 3,02
